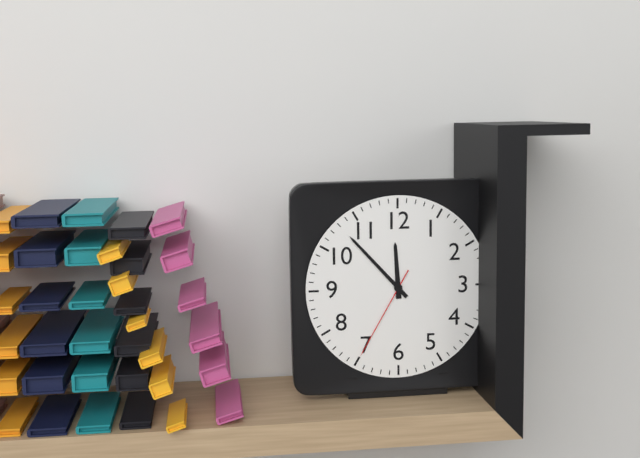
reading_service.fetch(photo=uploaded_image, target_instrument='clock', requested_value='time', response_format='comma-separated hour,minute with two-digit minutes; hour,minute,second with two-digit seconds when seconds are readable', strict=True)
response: 11,53,35
